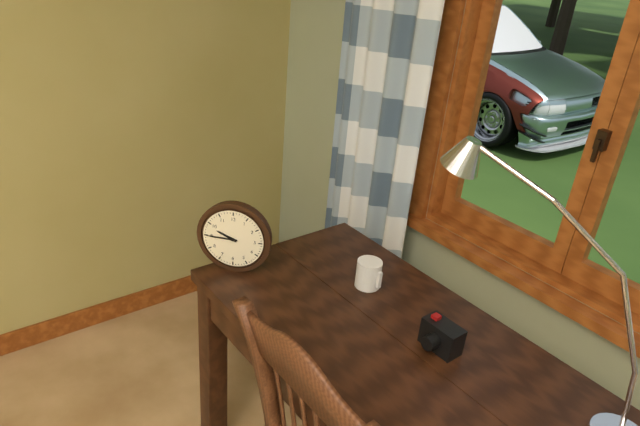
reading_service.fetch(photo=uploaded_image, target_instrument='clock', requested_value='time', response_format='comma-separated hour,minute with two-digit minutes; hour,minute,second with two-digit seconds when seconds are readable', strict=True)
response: 9,45
